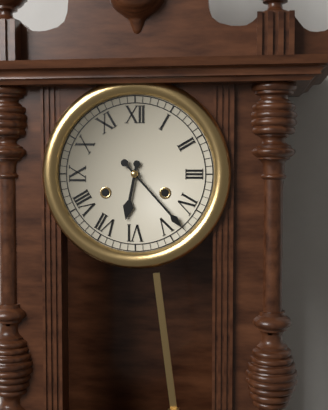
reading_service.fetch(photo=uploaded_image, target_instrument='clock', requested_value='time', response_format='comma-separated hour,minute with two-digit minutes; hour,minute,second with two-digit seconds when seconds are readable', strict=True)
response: 6,23
